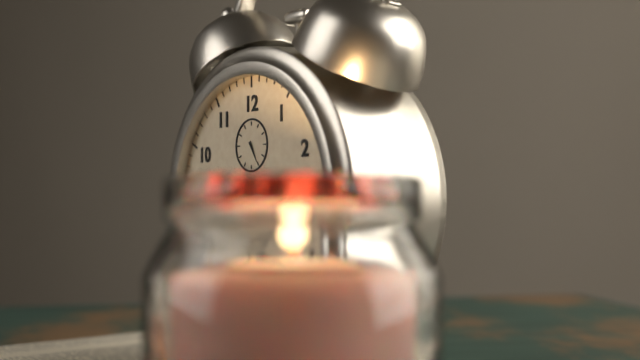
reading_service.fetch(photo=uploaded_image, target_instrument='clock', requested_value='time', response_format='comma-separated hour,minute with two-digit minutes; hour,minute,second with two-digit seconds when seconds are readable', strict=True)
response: 3,41
